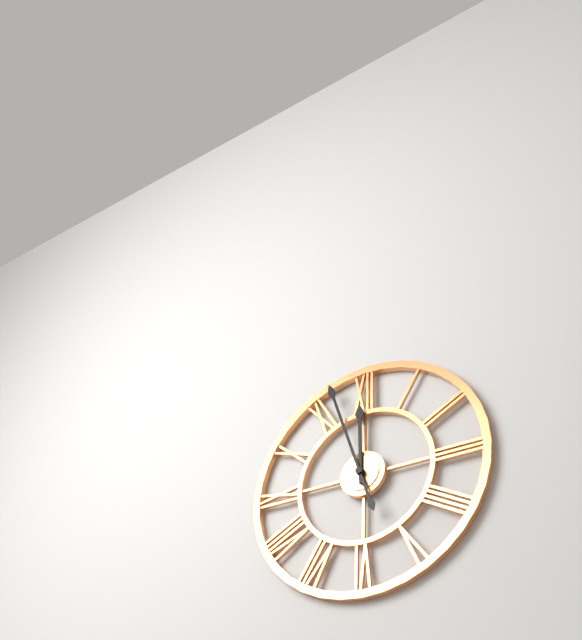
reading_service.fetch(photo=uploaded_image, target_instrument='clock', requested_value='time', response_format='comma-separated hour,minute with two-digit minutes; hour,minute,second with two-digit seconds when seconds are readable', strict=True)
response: 11,57
